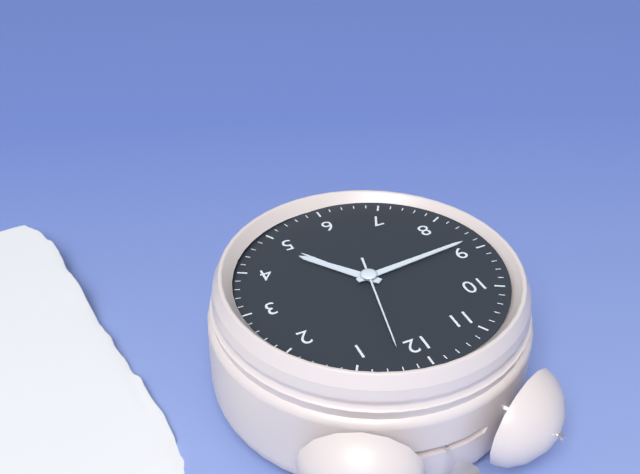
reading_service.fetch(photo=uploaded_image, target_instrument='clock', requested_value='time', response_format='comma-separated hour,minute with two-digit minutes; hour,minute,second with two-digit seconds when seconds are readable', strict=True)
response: 4,44,02
